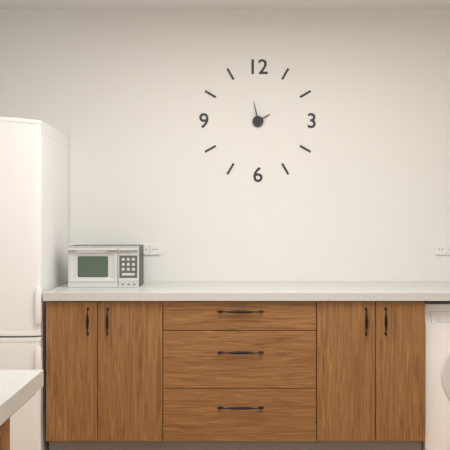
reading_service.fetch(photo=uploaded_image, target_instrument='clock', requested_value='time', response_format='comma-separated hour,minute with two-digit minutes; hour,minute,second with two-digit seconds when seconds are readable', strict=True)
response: 1,58
